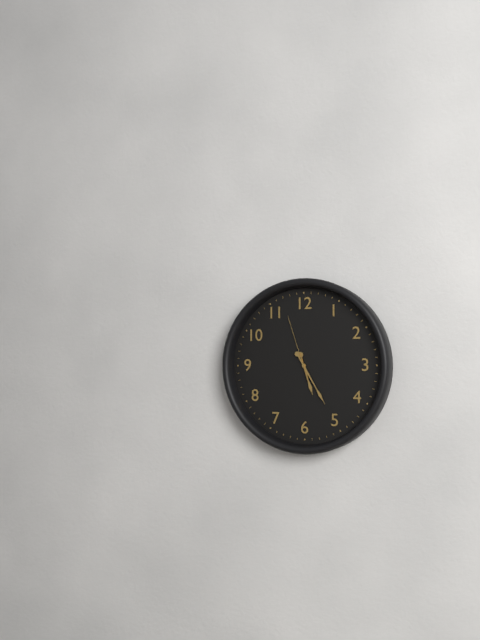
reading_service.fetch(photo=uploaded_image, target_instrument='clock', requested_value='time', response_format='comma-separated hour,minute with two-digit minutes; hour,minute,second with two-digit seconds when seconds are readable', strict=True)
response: 5,25,57
